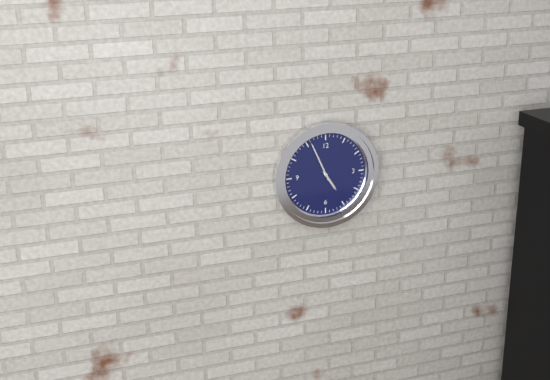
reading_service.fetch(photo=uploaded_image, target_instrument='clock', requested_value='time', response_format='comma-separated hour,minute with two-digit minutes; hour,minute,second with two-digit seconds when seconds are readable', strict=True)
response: 4,56
